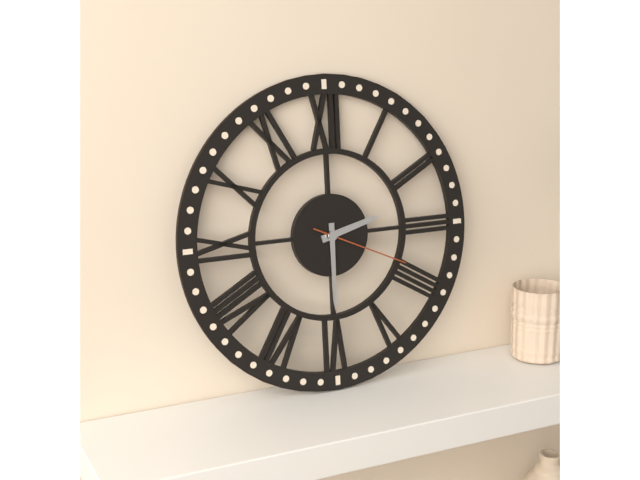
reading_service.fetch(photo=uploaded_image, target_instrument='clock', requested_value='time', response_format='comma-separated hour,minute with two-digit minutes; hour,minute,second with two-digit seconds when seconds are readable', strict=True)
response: 2,30,19
